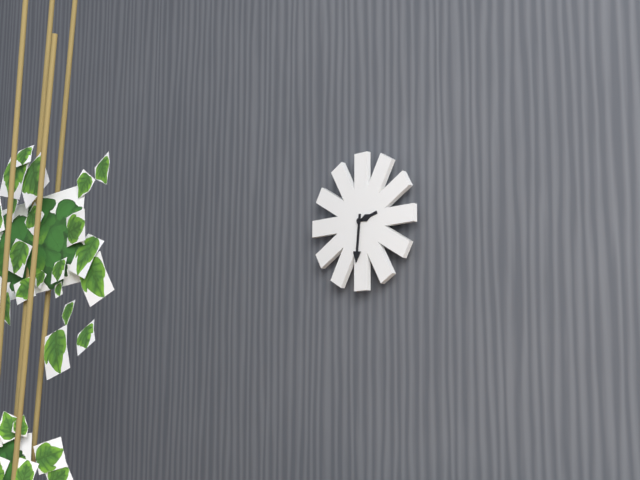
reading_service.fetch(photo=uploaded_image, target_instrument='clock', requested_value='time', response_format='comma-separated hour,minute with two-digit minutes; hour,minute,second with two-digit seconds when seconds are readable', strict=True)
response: 2,31
